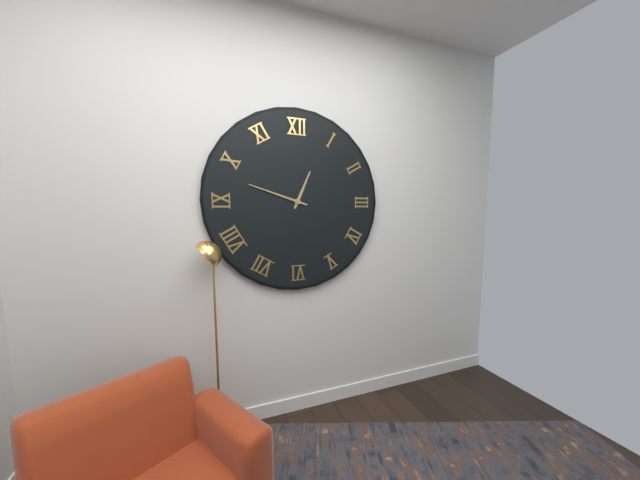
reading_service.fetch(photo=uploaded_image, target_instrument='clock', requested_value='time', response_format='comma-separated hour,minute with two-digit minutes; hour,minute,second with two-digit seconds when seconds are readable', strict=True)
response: 12,48
